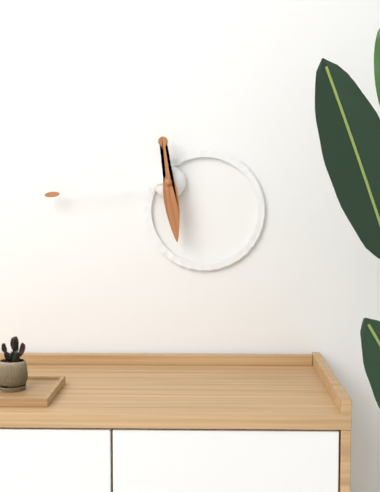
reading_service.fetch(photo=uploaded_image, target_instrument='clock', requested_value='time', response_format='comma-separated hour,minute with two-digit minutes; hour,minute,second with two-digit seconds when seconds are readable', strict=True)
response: 5,44
